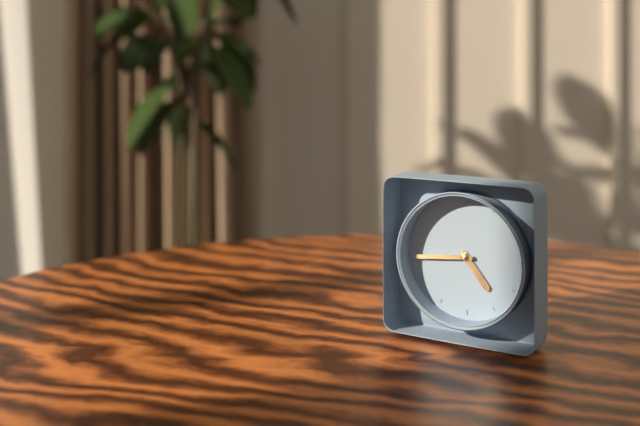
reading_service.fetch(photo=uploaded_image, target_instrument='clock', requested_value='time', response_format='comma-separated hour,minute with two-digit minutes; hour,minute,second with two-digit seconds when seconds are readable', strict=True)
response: 4,44
